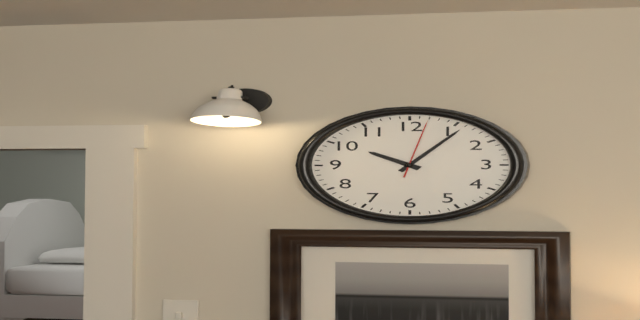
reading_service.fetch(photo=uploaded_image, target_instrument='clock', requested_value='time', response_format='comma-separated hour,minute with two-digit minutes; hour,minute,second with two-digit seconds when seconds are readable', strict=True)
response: 10,06,02
